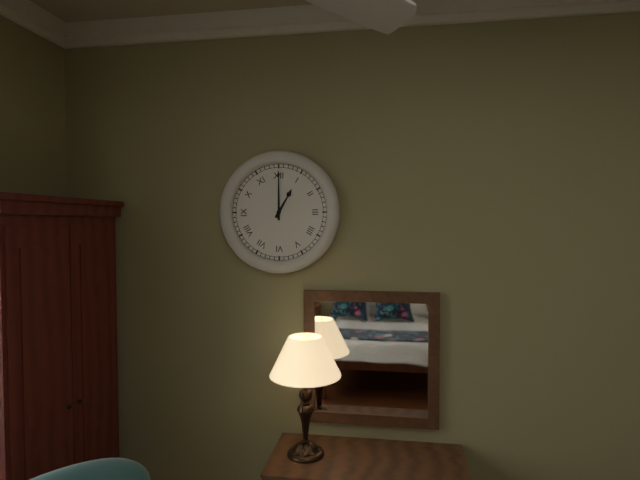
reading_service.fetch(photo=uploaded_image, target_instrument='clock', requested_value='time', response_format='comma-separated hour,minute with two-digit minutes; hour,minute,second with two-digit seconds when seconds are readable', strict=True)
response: 1,00
